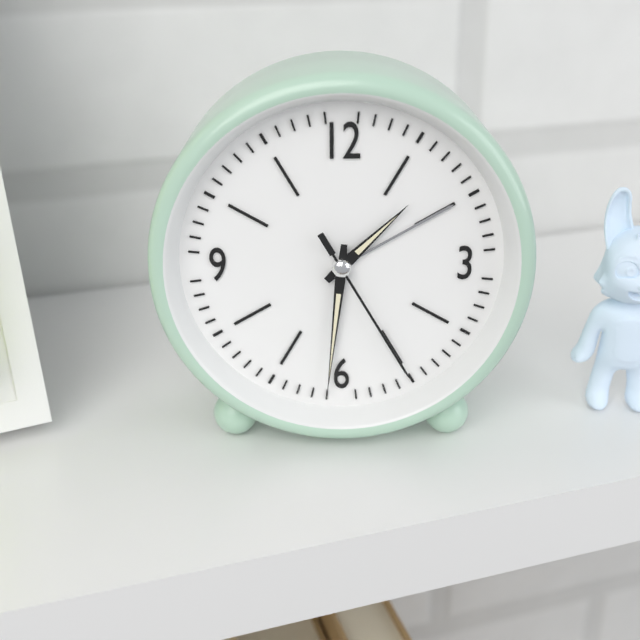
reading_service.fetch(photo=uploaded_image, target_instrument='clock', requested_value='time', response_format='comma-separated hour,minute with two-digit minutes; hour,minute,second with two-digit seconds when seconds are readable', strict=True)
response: 1,31,25
